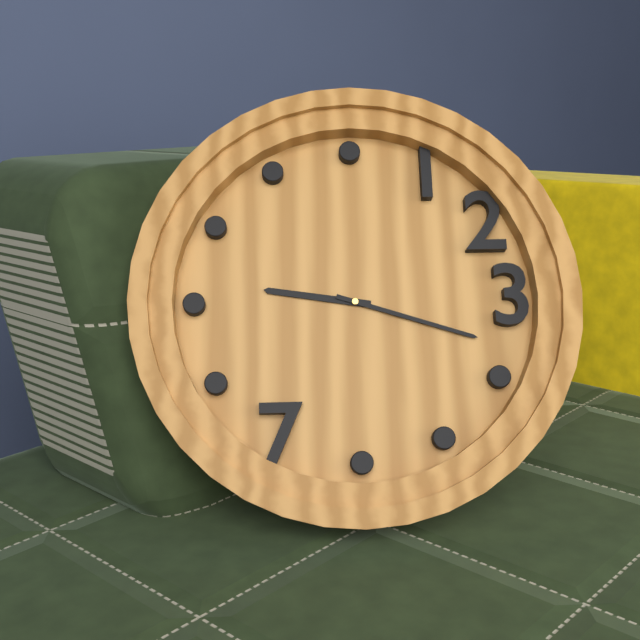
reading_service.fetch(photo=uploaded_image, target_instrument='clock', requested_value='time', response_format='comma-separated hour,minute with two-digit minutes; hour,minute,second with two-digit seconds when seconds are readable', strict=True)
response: 9,18
